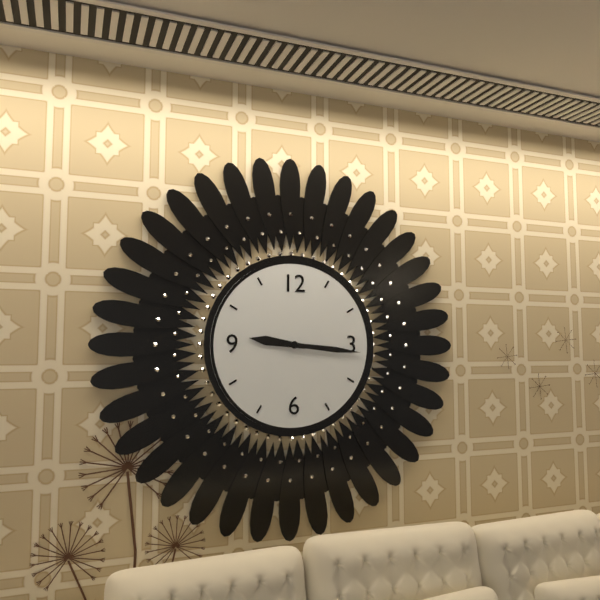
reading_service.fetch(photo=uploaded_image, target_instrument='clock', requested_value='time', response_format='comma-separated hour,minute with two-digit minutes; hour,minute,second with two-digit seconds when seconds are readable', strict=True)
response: 9,16
